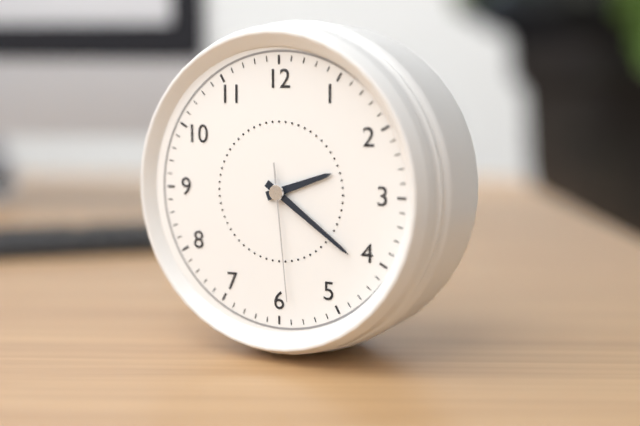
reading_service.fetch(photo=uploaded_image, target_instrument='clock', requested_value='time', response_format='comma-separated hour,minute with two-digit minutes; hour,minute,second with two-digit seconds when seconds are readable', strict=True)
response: 2,21,29
